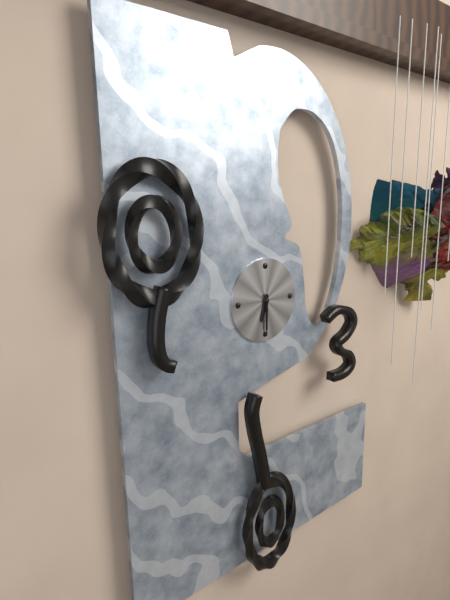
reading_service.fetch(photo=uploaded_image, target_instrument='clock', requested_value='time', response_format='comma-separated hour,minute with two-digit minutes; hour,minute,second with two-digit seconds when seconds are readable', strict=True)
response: 6,30
